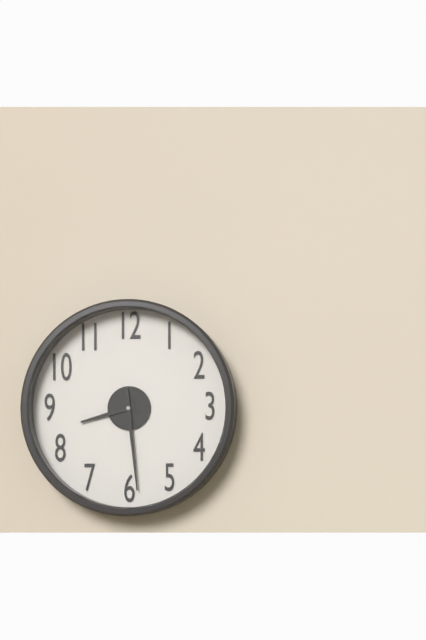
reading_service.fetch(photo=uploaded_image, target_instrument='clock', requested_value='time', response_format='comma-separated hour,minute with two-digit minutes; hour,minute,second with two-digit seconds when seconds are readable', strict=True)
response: 8,29
